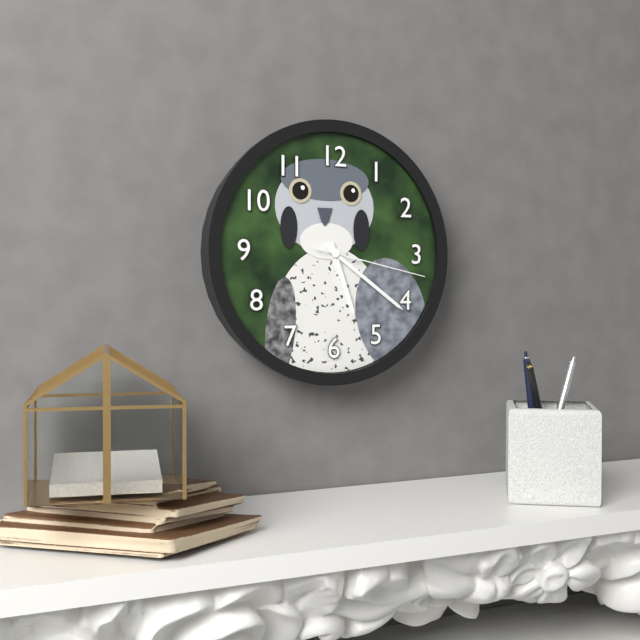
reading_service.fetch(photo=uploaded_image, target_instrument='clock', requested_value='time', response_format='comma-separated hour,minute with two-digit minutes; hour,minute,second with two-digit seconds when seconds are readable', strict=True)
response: 5,21,17
